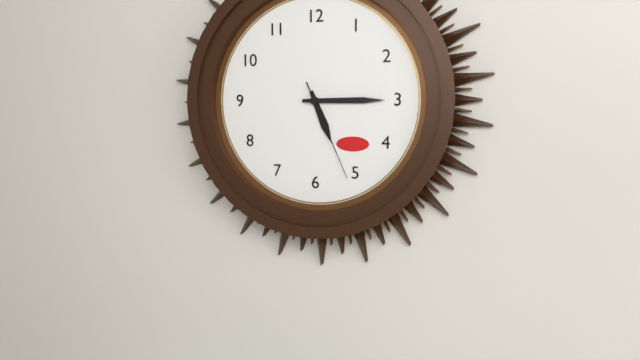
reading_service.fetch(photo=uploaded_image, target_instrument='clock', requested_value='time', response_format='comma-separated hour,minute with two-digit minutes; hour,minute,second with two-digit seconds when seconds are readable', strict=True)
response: 5,15,26
